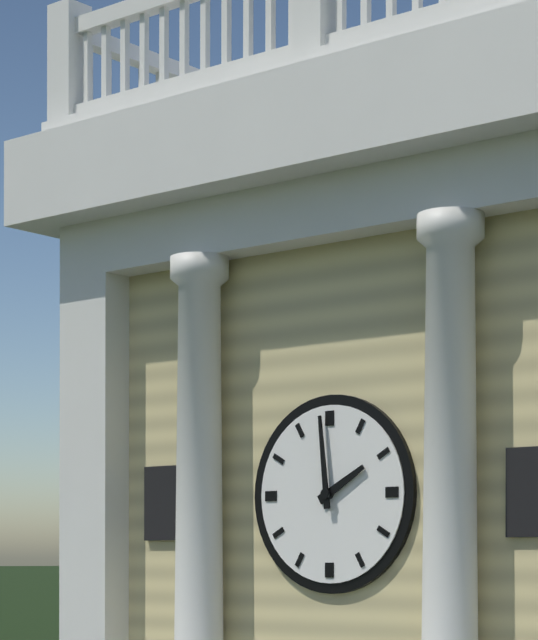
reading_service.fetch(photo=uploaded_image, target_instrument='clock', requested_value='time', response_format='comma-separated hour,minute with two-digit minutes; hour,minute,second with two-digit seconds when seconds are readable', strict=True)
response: 1,59
